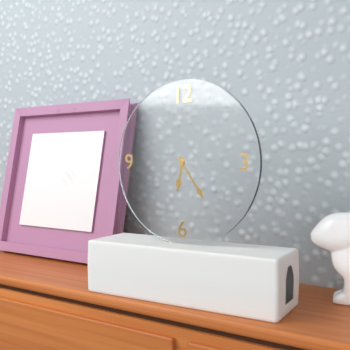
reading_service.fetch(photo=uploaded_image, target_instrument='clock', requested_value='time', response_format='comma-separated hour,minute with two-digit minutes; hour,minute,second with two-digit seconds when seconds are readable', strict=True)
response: 6,24
